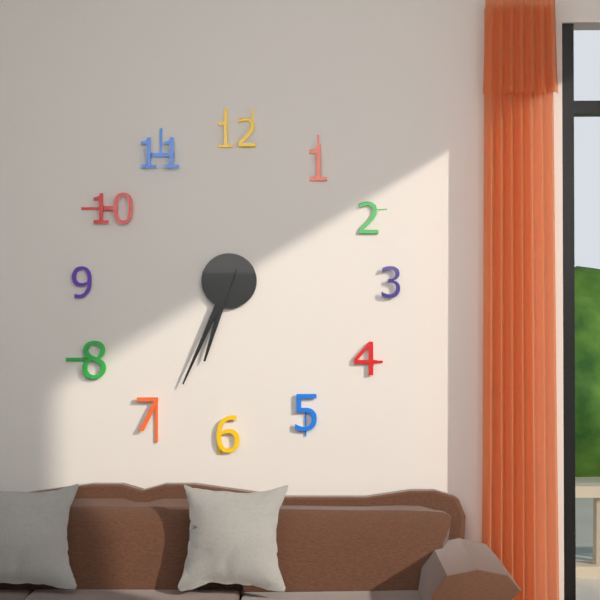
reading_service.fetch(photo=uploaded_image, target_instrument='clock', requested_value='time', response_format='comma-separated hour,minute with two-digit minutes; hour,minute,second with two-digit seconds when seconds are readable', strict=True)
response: 6,34
